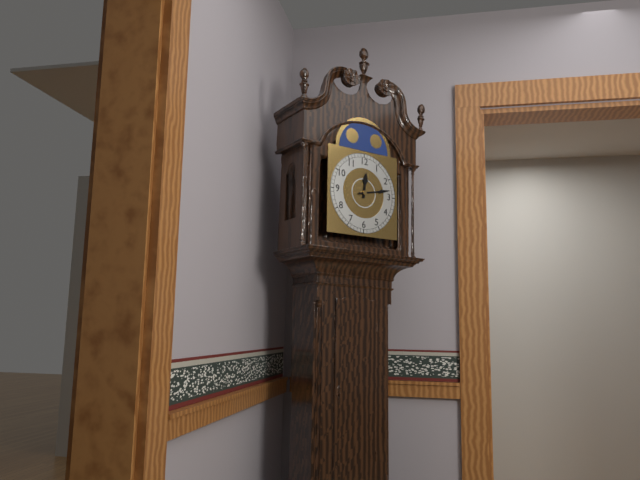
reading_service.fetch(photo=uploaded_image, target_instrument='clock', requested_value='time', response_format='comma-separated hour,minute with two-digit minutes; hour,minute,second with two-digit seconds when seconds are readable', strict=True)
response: 12,13
